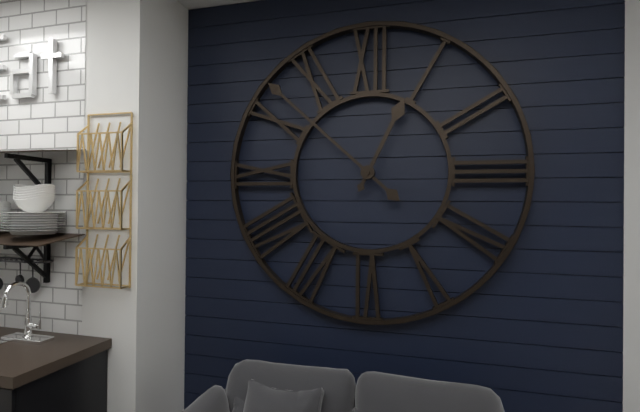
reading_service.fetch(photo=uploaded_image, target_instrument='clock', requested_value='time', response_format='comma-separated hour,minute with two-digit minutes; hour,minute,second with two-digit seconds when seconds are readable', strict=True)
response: 12,52
